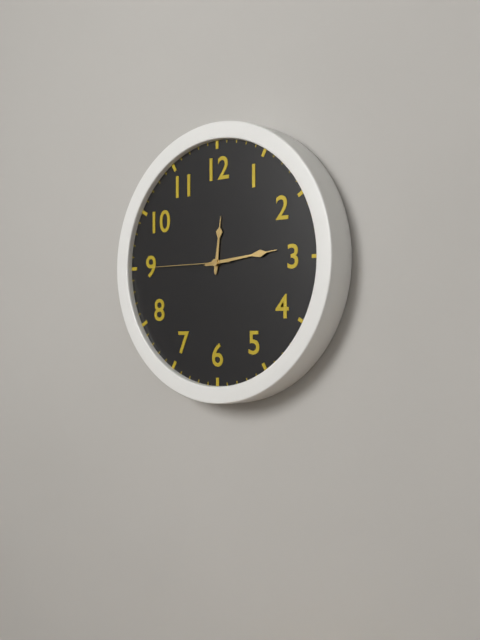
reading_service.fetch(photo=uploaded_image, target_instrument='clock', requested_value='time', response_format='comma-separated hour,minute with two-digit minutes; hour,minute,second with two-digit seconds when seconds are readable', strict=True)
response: 12,14,45
